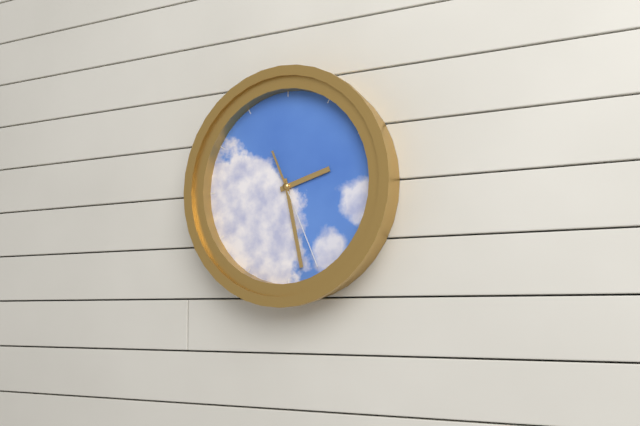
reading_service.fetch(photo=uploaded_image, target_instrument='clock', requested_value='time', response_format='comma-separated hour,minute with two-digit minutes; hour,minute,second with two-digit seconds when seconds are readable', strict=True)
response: 2,28,26
